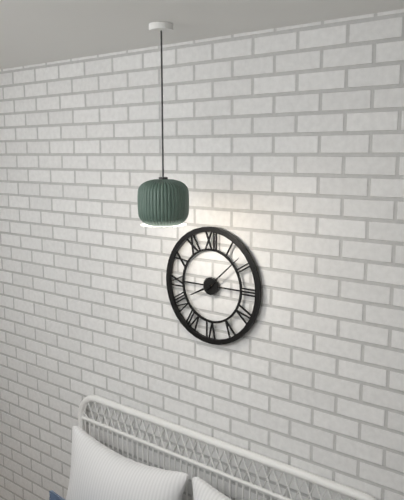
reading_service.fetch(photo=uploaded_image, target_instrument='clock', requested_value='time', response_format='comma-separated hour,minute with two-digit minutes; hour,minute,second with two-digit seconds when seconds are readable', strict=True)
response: 8,08
